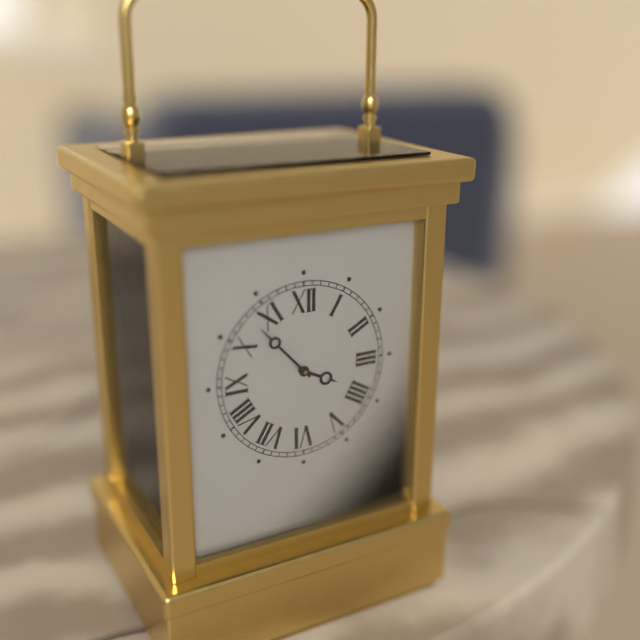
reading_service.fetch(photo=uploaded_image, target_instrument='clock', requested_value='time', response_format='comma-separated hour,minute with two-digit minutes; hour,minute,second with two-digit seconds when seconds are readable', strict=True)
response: 3,53
